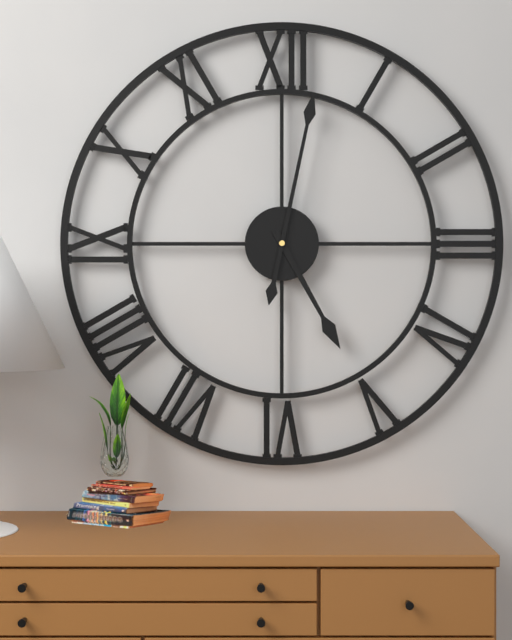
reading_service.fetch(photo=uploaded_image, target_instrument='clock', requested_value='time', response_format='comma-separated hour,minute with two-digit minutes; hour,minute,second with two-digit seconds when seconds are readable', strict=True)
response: 5,02
